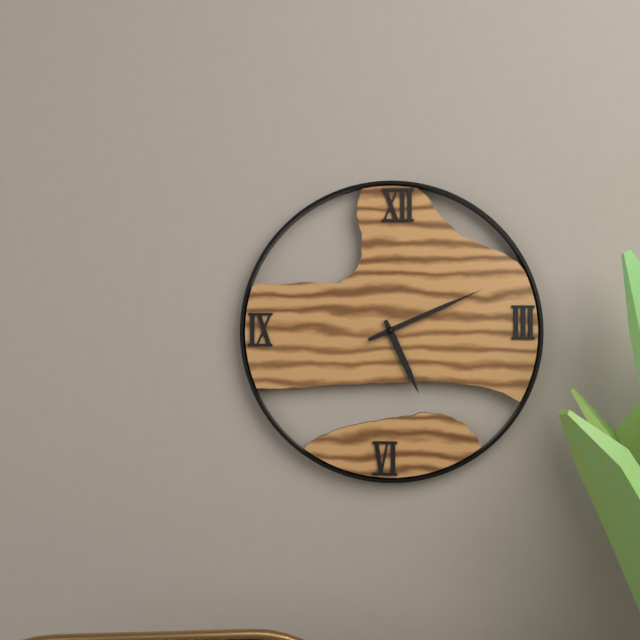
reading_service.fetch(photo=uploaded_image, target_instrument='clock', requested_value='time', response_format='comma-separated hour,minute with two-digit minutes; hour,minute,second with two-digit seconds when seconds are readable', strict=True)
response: 5,11
